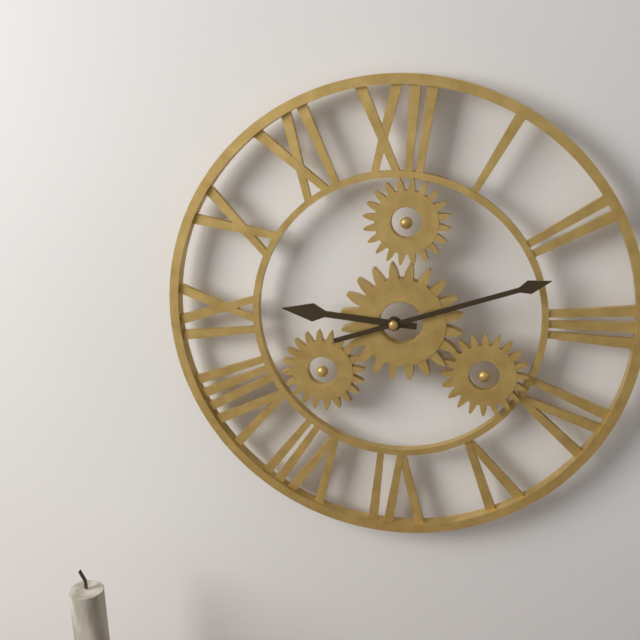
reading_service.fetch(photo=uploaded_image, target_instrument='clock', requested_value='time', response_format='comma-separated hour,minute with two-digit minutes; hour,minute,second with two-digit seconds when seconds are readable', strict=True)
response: 9,12
